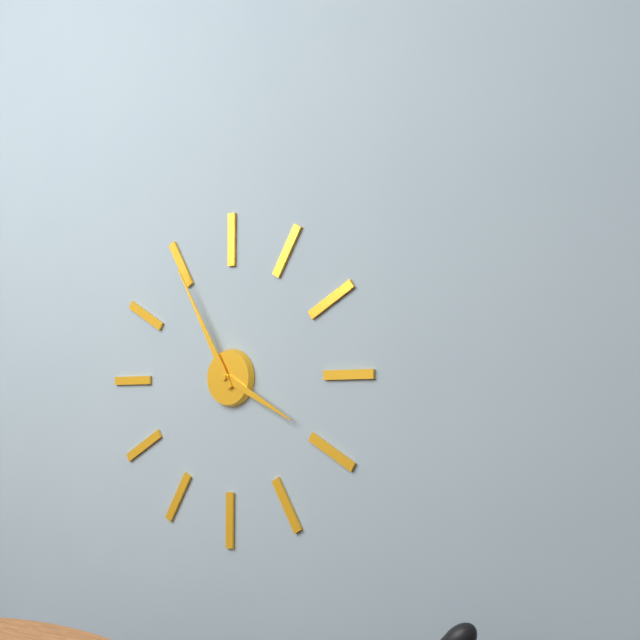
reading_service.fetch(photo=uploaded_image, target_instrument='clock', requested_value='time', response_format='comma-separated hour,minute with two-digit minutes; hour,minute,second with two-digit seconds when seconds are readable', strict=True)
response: 3,55
